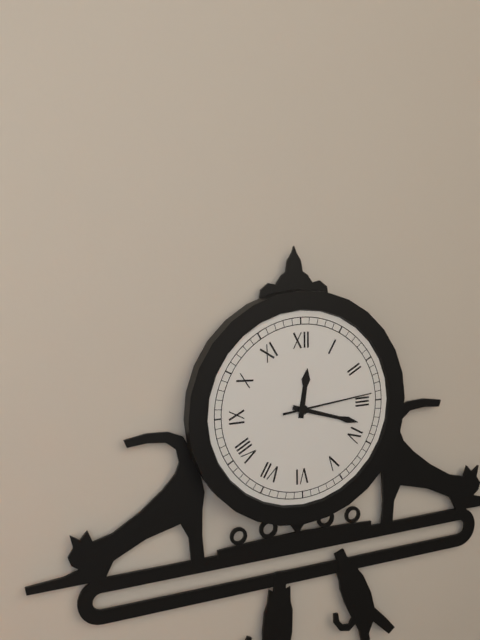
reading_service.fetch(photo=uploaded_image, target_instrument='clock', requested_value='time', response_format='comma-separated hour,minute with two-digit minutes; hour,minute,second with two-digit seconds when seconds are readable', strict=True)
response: 12,18,14
